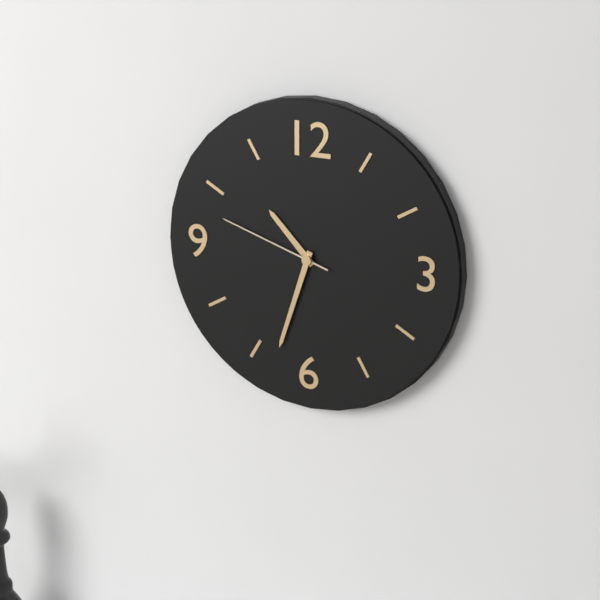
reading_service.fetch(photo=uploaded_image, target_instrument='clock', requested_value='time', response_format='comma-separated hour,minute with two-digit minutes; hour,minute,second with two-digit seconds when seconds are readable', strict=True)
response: 10,33,48
